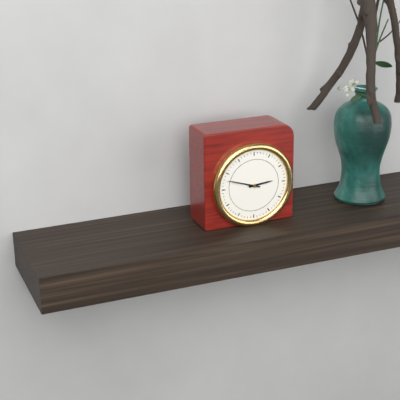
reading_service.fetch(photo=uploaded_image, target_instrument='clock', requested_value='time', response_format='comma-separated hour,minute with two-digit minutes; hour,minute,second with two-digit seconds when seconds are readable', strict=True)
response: 2,48
